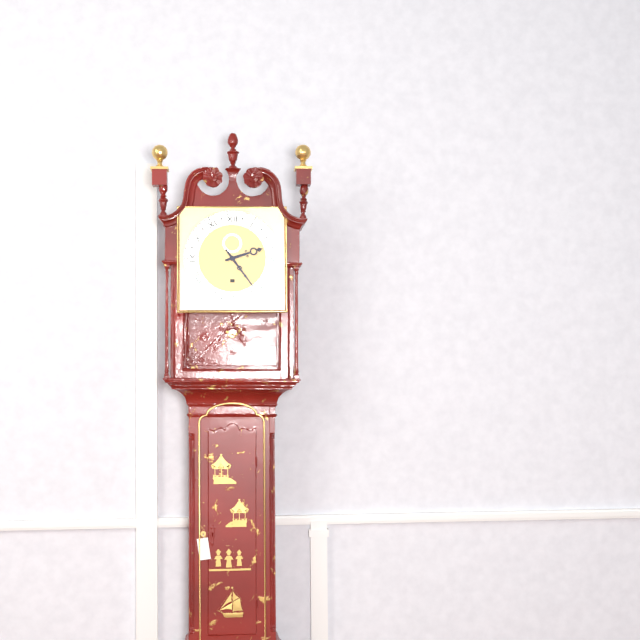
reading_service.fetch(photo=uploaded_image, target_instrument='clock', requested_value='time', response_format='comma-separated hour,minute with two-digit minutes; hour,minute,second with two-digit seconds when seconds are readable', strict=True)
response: 2,24
